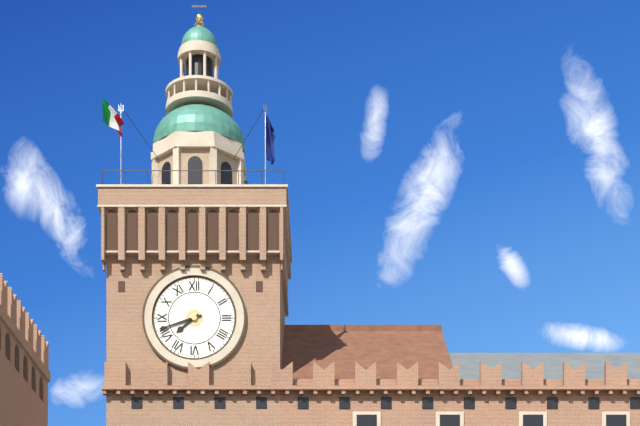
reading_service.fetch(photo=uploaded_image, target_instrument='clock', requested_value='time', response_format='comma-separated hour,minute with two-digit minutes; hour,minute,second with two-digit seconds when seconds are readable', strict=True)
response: 7,42
